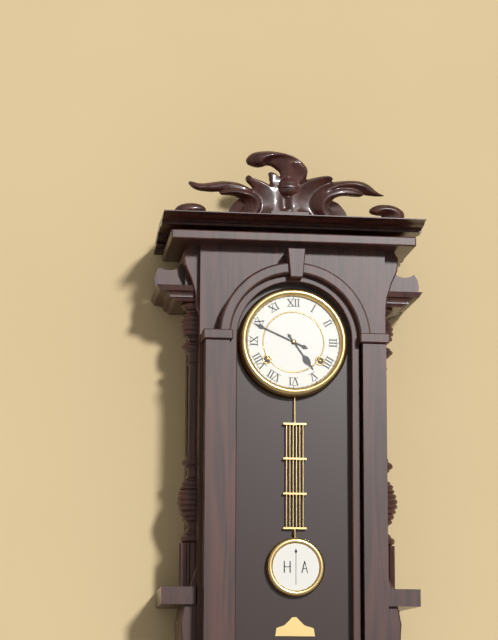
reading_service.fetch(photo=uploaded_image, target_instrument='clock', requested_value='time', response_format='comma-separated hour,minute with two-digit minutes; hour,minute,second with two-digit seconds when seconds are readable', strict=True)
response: 4,49
